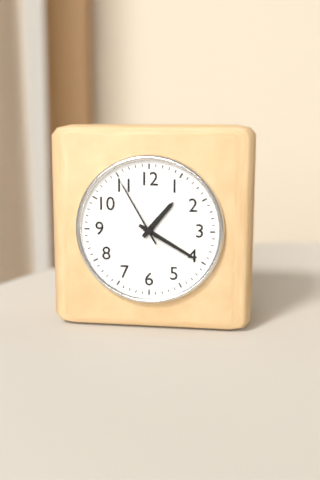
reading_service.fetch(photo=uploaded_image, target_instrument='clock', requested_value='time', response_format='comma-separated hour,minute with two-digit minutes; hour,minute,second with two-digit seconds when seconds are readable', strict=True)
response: 1,20,55
